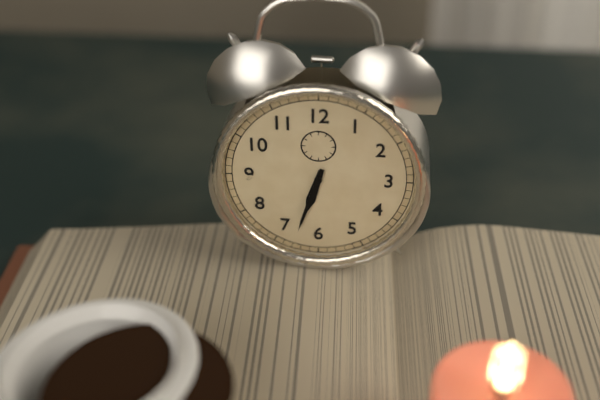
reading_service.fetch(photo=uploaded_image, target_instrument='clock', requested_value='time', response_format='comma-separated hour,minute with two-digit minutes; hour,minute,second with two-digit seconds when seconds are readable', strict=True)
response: 6,33
